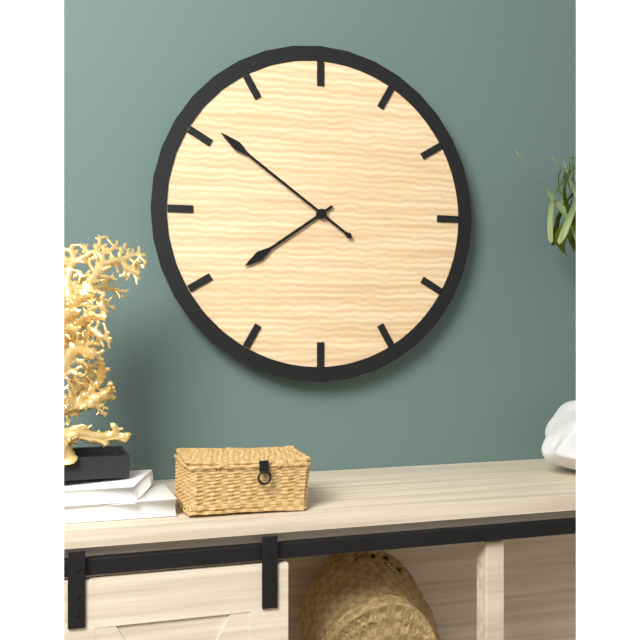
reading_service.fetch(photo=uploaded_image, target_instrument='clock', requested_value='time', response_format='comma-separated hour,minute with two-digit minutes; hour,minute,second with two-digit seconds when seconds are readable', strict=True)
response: 7,51
